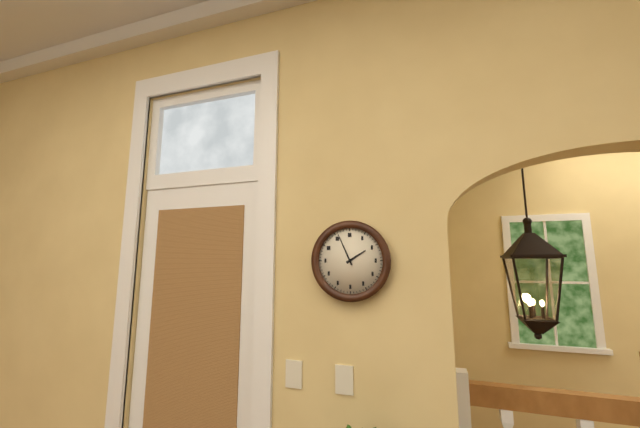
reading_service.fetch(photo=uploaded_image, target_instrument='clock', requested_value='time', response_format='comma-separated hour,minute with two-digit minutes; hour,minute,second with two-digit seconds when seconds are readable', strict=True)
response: 1,56
